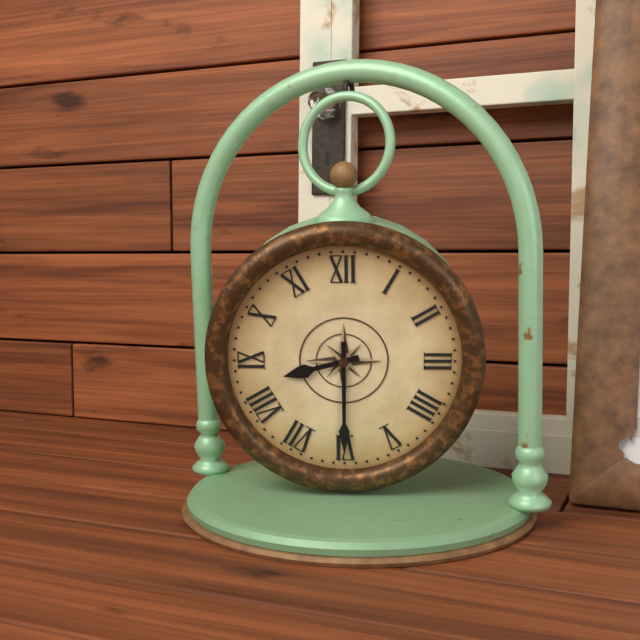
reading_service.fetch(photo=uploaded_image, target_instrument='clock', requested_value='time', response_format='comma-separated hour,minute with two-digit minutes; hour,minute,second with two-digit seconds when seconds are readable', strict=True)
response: 8,30
